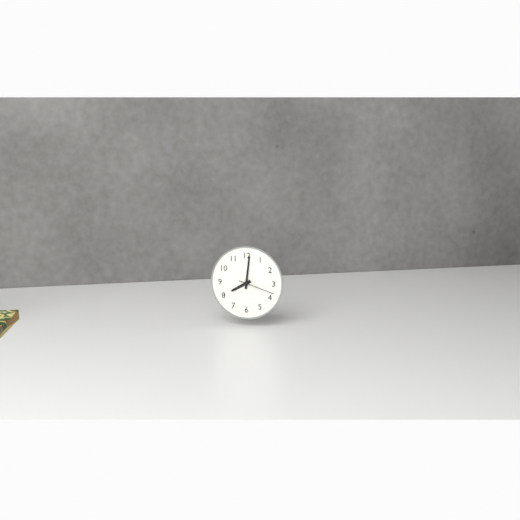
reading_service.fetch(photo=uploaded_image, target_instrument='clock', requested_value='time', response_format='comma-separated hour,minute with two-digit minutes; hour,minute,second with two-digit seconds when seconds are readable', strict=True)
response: 8,01
